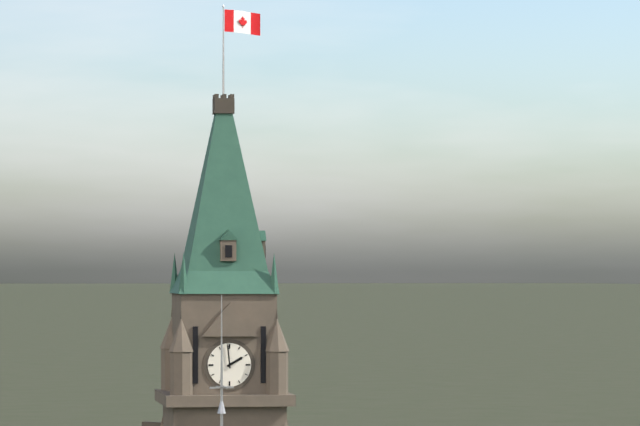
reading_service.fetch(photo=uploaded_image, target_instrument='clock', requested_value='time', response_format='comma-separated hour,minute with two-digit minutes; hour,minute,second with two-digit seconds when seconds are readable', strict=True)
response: 1,59
